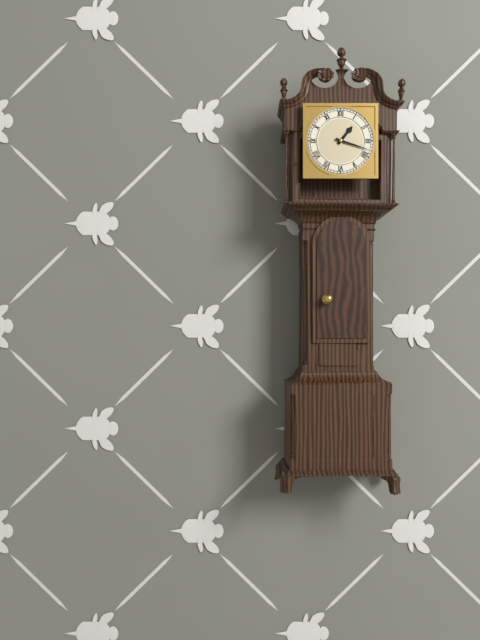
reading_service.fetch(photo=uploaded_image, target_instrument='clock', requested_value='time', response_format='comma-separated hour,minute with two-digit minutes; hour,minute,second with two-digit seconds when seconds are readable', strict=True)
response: 1,18
